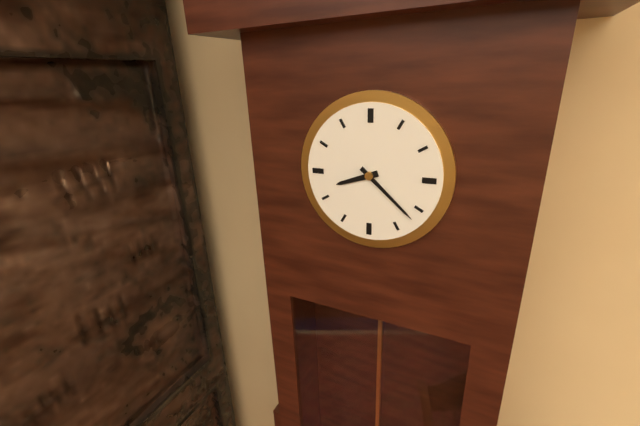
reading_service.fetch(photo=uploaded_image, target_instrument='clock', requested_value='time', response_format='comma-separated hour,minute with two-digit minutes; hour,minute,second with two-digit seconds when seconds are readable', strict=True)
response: 8,22
